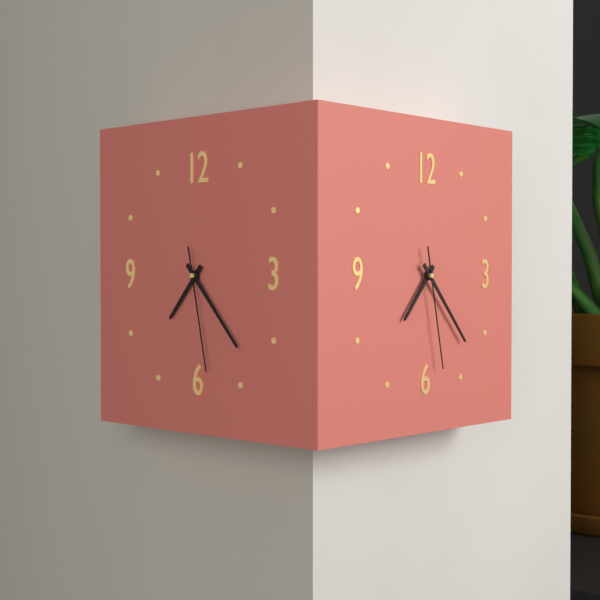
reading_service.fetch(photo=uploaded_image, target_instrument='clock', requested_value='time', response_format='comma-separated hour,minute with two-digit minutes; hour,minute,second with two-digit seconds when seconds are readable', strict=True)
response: 7,23,28
